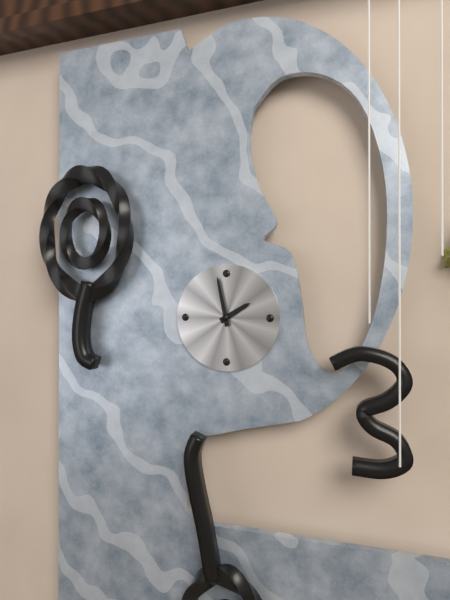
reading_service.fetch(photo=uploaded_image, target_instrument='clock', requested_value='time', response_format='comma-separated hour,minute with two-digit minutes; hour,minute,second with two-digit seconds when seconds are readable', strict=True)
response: 1,58
